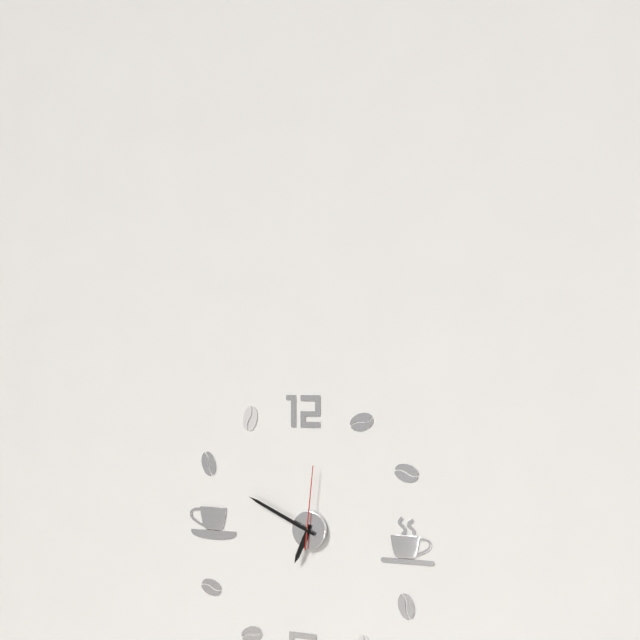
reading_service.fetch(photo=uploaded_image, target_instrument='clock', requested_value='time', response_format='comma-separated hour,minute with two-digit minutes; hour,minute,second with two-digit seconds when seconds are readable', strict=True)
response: 6,49,01
